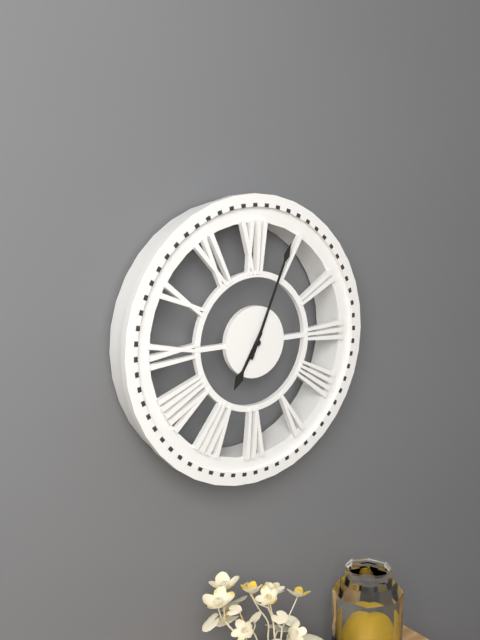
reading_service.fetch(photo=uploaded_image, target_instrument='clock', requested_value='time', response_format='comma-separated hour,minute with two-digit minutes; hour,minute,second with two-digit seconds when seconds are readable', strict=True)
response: 7,04
